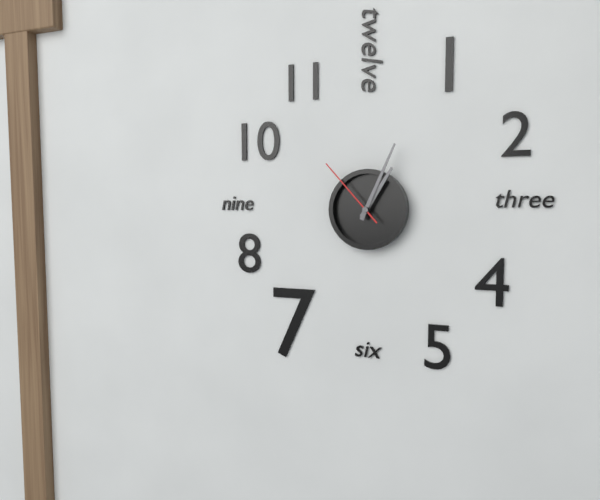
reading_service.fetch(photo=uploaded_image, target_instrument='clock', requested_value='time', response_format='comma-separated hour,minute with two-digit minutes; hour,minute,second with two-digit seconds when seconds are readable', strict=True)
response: 1,04,53
